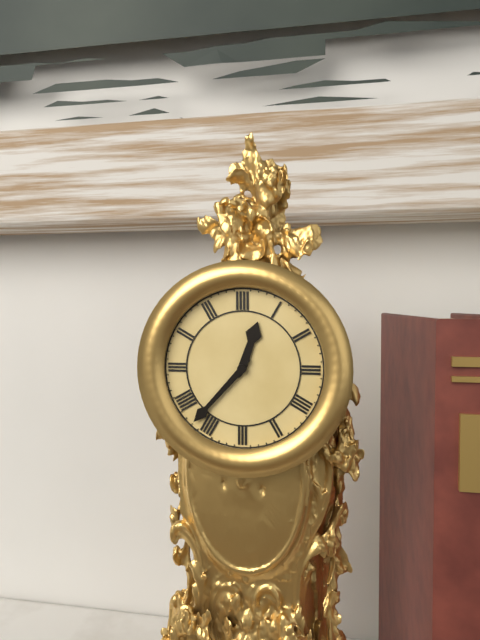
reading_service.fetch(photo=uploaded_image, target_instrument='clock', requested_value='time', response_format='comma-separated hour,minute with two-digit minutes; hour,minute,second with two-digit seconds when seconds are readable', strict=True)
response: 12,37
